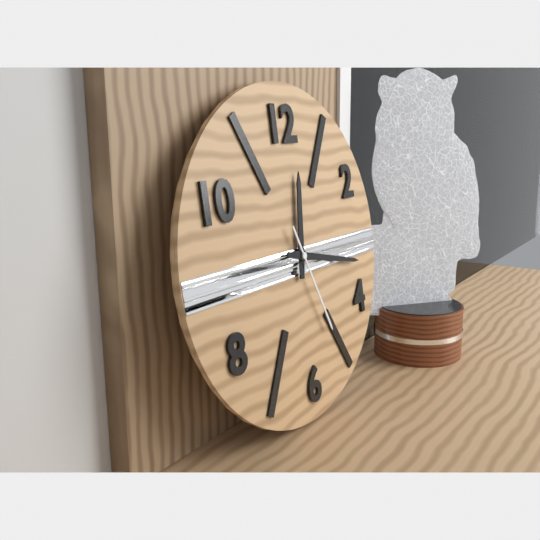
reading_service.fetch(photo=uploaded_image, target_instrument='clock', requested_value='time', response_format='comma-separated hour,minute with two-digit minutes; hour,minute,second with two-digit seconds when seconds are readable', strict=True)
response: 12,17,26
